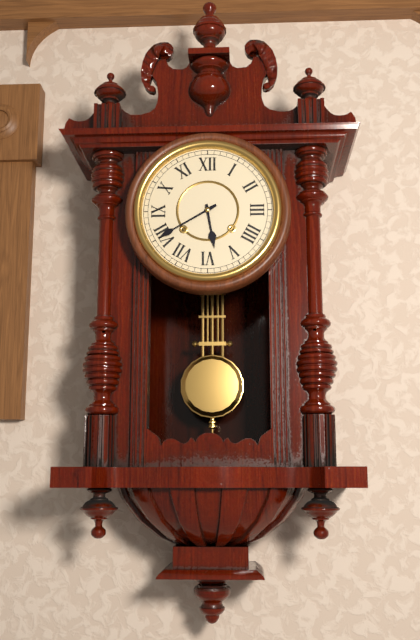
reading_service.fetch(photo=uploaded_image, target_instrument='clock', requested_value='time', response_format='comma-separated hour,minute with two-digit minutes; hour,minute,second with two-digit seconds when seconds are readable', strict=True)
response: 5,40
